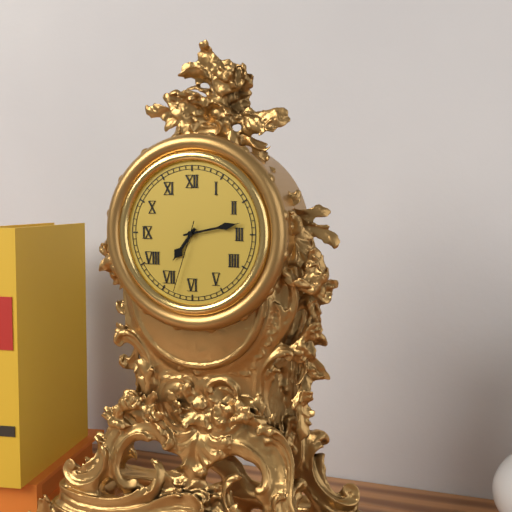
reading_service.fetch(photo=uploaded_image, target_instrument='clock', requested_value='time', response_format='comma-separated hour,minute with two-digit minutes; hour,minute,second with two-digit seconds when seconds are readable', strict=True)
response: 7,13,33
